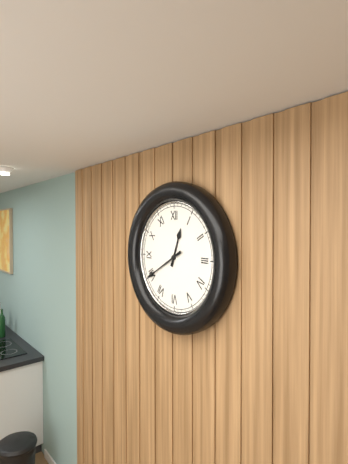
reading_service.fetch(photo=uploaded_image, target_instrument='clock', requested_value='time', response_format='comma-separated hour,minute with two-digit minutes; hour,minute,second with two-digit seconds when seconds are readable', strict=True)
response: 12,40
